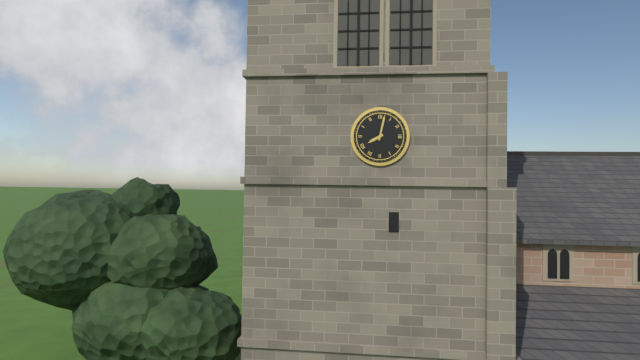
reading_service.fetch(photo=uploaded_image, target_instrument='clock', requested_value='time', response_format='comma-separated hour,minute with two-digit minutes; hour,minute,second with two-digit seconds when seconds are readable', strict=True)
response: 8,02
